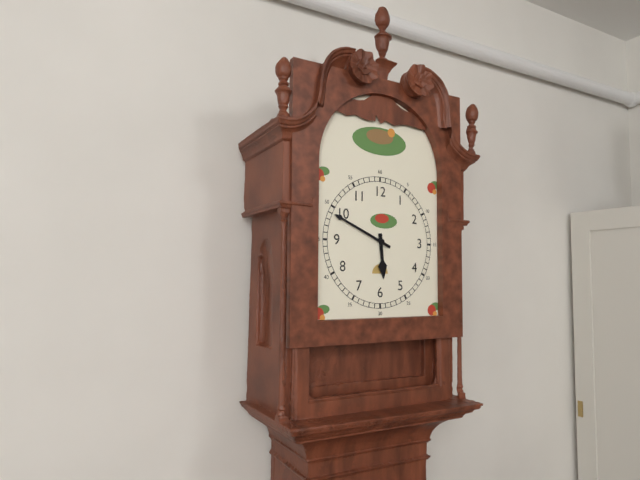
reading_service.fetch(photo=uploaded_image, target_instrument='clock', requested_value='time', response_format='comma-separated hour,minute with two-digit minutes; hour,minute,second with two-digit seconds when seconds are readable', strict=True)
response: 5,49
